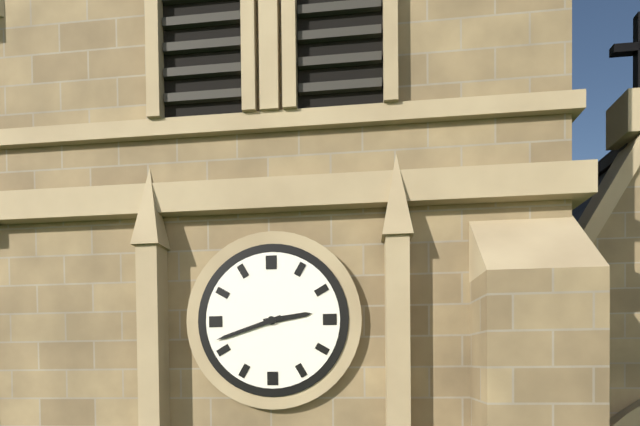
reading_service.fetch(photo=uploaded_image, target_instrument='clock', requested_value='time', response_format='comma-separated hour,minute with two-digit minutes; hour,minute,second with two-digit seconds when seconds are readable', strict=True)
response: 2,42
